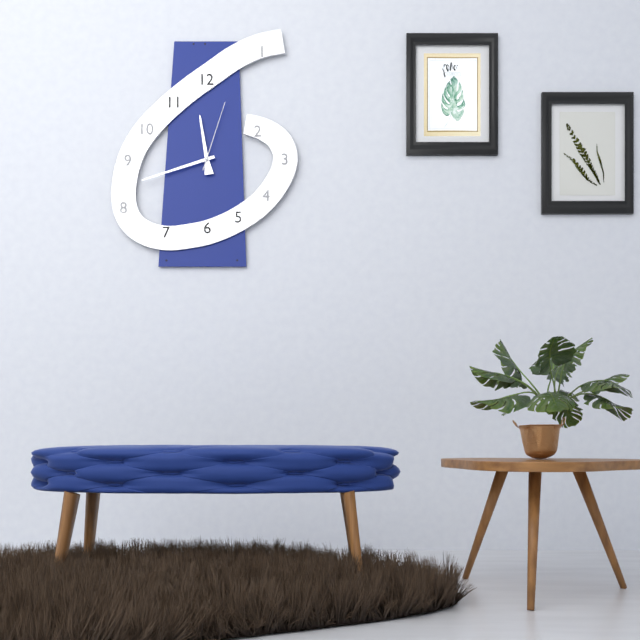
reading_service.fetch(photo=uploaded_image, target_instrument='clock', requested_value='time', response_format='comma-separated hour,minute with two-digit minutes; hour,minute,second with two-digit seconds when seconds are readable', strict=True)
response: 11,42,03
